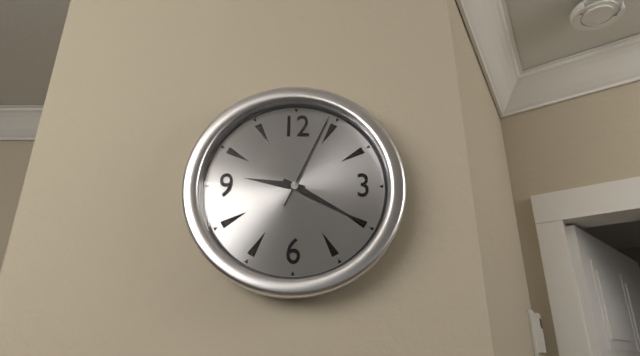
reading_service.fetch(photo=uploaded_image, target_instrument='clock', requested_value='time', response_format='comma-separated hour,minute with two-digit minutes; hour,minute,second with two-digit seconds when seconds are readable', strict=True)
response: 9,20,04
